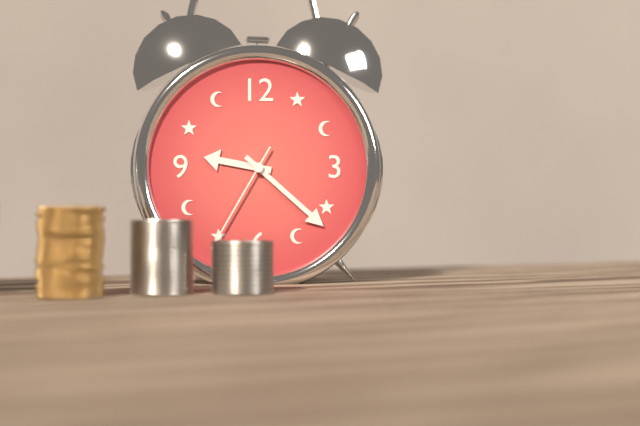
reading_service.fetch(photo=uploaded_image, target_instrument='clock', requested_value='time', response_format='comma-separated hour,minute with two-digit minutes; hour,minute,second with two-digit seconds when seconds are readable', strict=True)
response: 9,22,35
